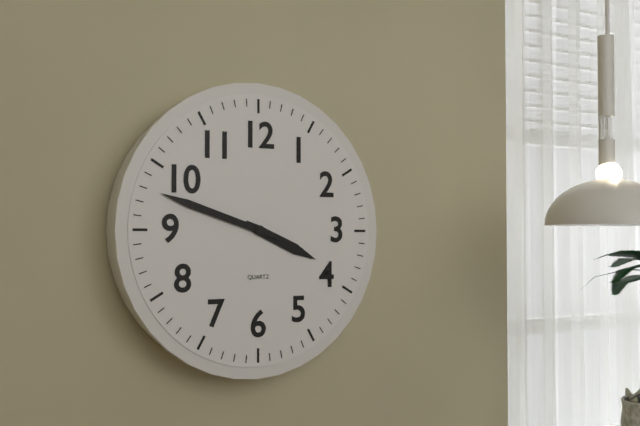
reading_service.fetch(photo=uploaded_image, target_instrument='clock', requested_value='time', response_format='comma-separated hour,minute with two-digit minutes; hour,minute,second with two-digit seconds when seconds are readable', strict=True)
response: 3,48
